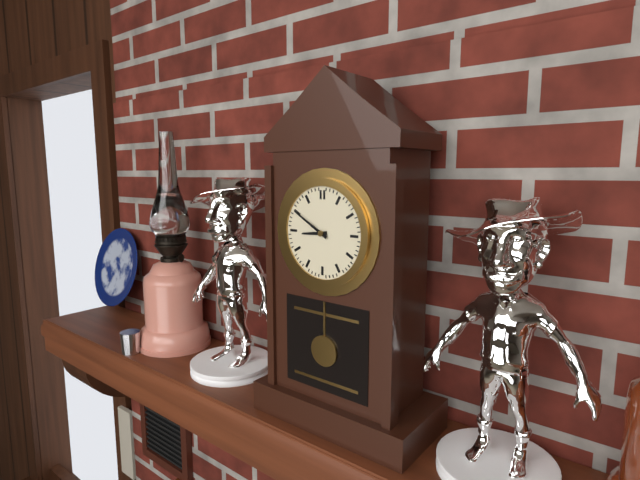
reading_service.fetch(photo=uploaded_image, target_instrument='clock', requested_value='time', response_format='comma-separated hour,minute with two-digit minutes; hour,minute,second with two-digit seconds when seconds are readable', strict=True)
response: 8,50
